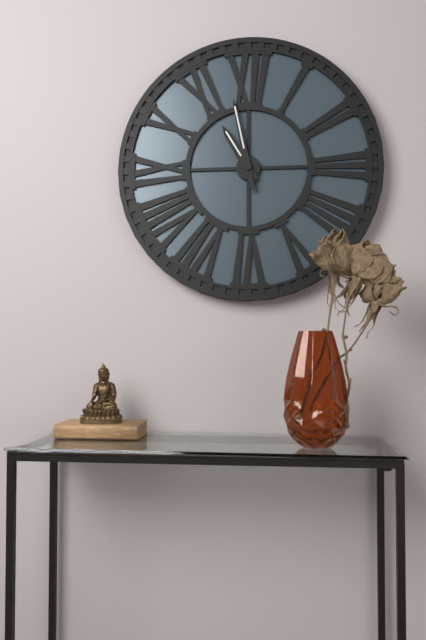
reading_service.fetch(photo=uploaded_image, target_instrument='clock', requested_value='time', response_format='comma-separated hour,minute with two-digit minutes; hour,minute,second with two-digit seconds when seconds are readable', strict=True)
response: 10,58
